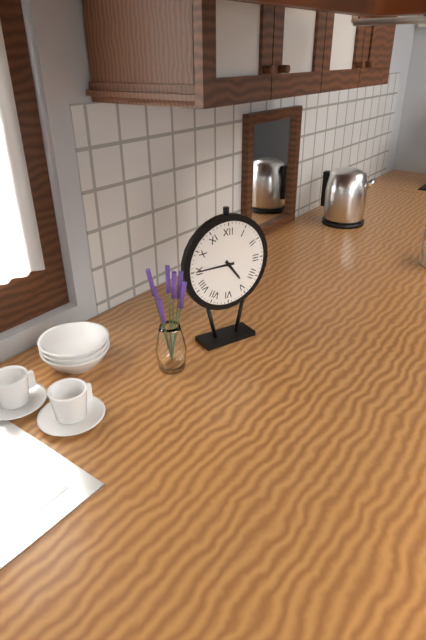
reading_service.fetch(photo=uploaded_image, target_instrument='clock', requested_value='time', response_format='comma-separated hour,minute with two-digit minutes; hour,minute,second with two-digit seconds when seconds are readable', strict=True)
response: 4,45
